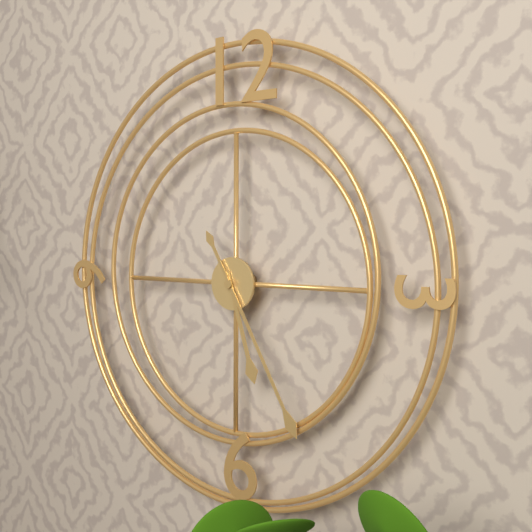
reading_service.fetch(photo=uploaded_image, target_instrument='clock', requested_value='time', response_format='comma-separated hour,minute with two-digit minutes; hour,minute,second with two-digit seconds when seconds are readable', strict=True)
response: 5,25
